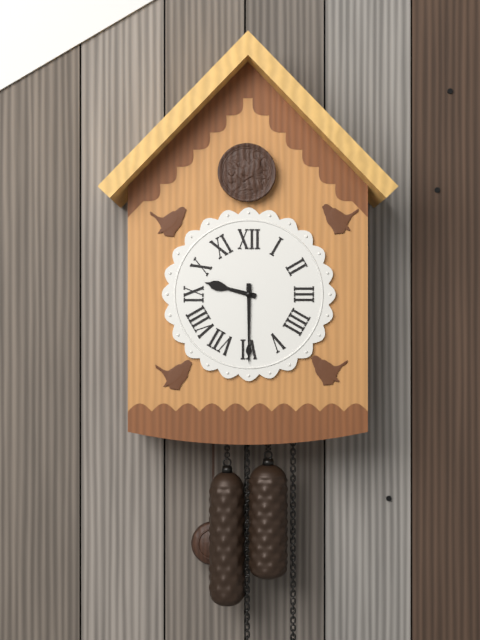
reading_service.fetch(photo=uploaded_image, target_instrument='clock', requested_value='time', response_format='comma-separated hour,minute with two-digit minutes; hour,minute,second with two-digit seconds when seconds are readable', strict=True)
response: 9,30
